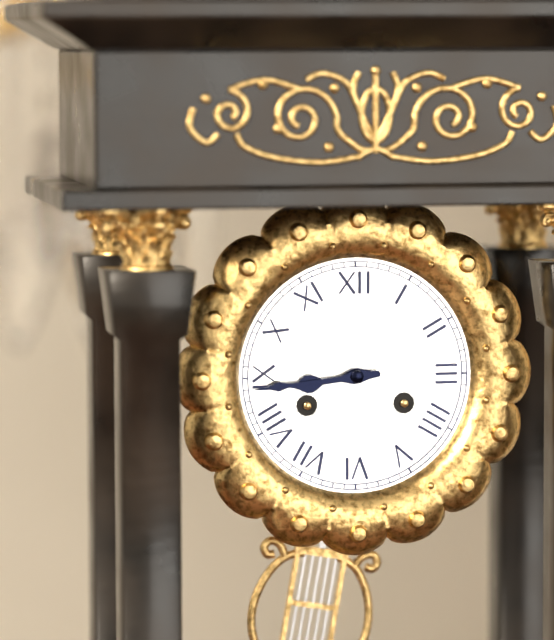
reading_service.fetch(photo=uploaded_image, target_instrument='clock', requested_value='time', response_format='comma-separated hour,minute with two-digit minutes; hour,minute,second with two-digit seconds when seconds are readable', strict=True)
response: 8,44
